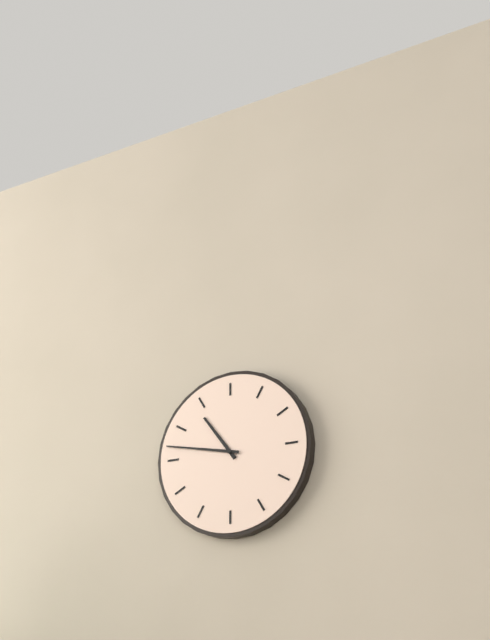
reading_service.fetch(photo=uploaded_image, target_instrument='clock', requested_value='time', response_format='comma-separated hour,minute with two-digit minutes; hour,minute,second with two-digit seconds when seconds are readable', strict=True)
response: 10,47
